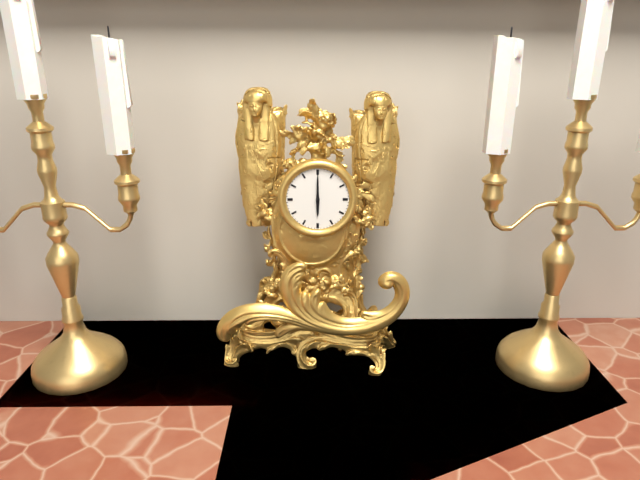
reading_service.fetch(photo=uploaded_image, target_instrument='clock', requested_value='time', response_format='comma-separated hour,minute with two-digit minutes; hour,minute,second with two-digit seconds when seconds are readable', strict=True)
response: 6,00
